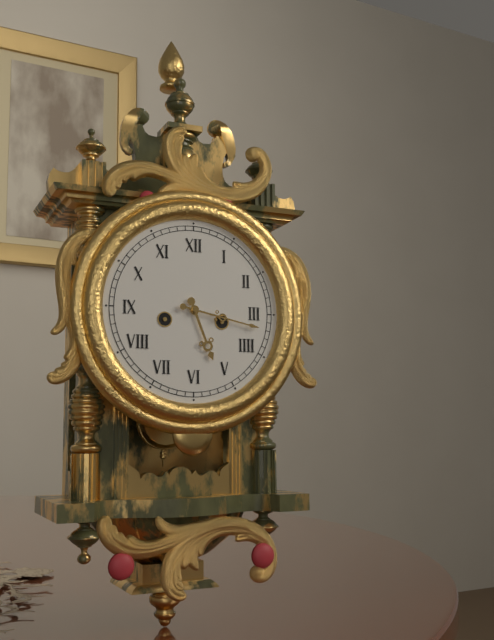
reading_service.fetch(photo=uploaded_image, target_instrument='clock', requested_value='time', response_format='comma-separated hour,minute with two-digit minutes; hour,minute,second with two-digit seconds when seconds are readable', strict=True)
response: 5,17
